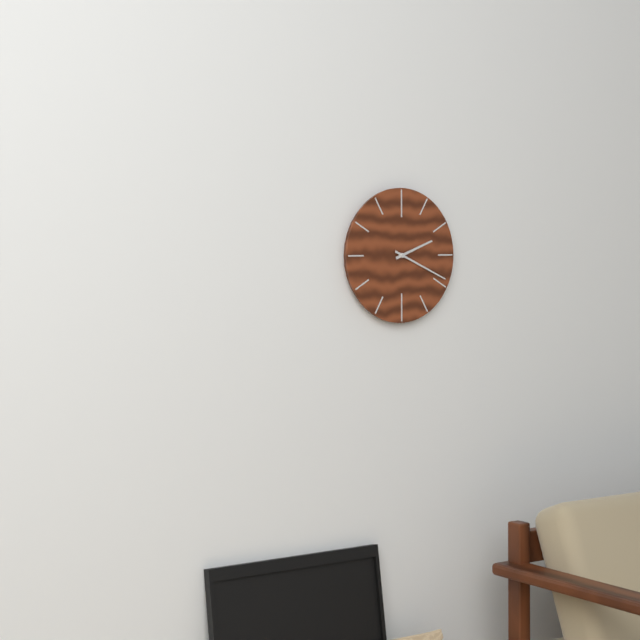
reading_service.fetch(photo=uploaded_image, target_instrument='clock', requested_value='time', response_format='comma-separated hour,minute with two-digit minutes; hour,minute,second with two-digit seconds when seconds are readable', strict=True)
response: 2,19
